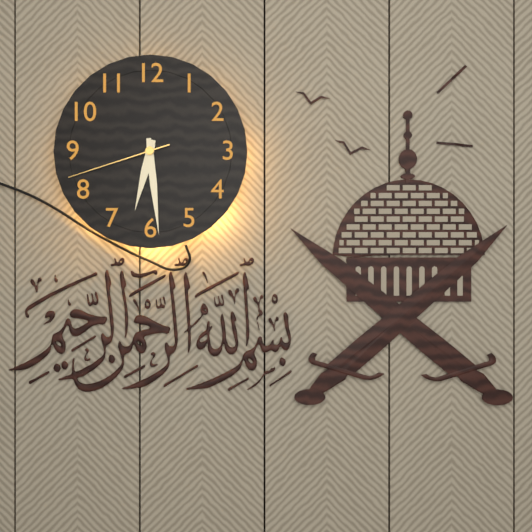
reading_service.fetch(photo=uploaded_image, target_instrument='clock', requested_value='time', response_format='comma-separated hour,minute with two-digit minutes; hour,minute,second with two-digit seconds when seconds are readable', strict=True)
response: 6,29,42
